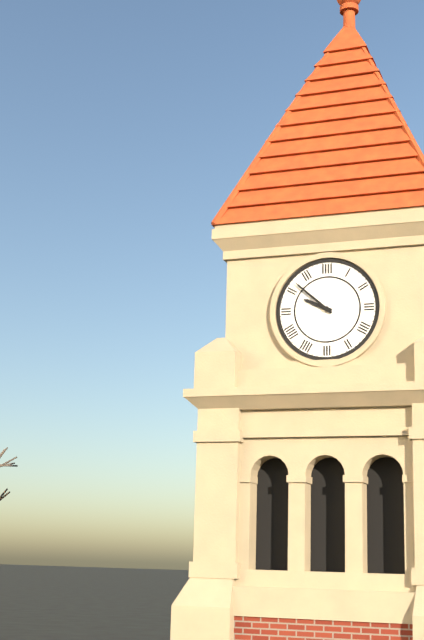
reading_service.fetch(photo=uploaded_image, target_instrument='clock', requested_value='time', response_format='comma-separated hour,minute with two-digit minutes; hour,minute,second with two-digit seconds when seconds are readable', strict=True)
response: 9,52
